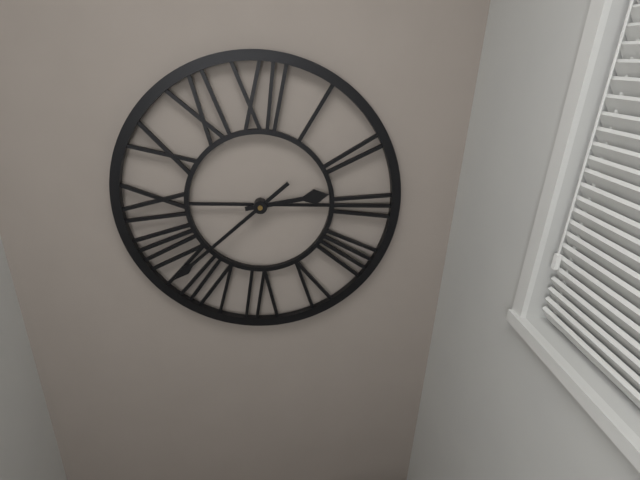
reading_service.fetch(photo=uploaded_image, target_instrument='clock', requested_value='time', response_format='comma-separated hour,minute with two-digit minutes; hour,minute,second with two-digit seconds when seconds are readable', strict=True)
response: 2,38
